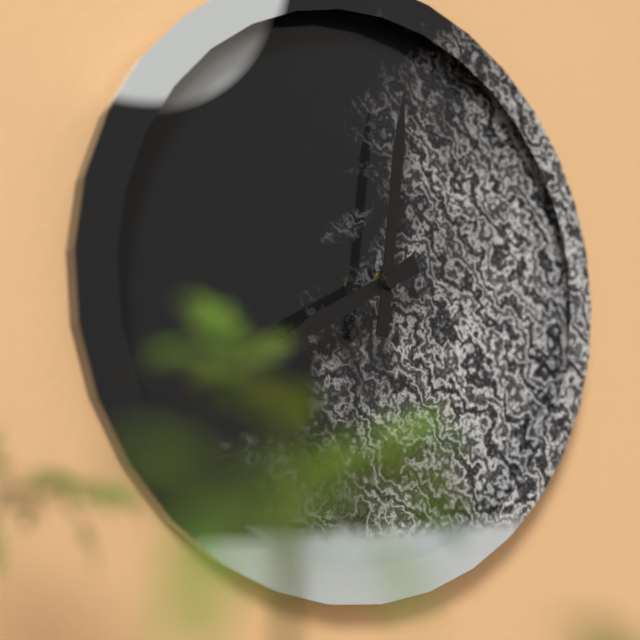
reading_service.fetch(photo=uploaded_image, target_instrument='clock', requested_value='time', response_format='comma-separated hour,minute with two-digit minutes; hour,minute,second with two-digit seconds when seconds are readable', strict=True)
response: 8,01
